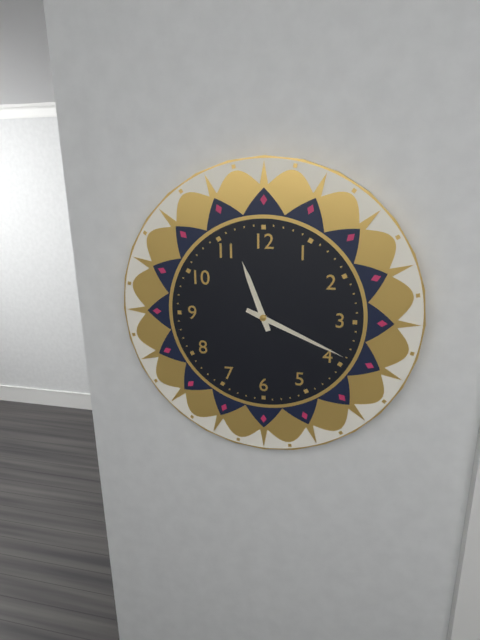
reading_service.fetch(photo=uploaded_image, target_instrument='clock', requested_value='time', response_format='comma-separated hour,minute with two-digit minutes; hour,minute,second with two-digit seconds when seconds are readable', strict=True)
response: 11,19
